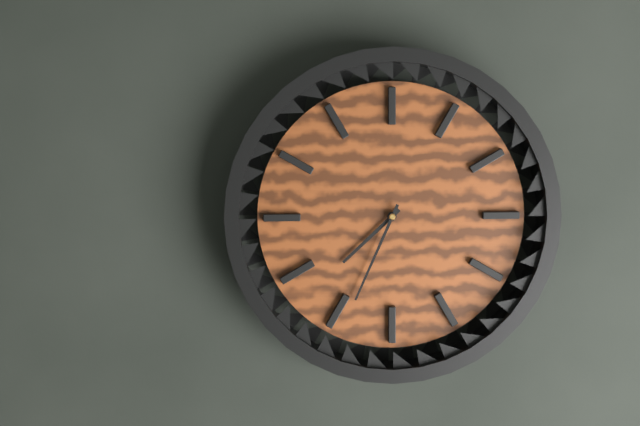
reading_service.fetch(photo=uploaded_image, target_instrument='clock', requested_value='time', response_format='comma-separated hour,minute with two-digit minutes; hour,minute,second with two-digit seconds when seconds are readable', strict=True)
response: 7,34
